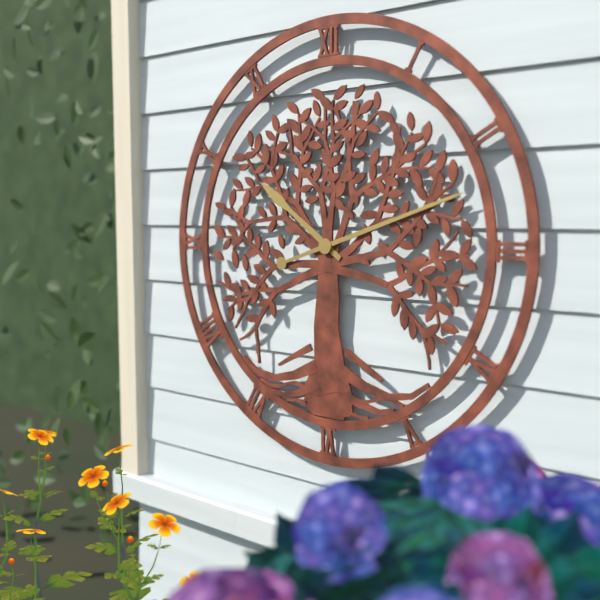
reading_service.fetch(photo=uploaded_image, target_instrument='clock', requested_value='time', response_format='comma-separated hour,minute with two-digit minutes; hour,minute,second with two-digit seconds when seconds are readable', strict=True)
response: 10,12
